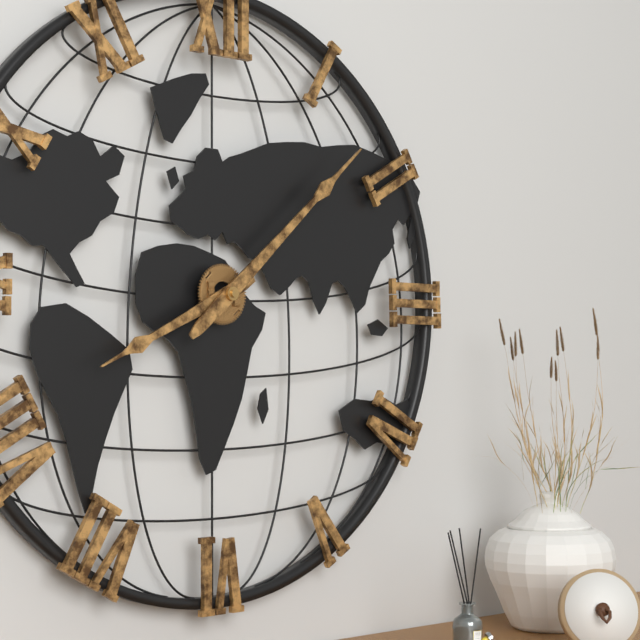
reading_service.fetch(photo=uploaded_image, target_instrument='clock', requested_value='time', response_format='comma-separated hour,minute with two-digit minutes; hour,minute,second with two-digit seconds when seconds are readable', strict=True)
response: 8,08
